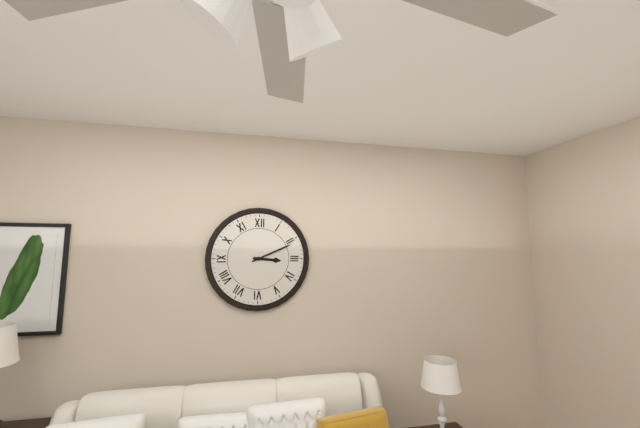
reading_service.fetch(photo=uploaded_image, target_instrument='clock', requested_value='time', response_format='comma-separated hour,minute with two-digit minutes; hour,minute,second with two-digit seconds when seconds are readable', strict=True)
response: 3,11
